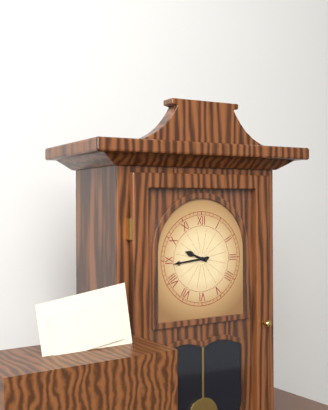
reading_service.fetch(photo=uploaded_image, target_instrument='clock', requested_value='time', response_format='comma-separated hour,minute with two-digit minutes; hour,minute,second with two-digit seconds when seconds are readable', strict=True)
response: 9,44
